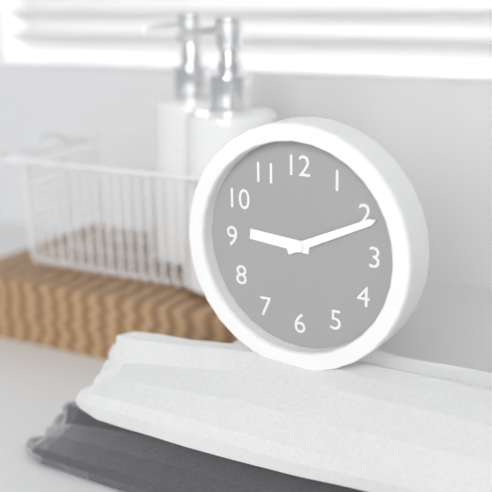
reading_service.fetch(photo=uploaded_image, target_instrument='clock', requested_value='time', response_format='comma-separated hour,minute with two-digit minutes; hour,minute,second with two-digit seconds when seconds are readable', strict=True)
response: 9,11
